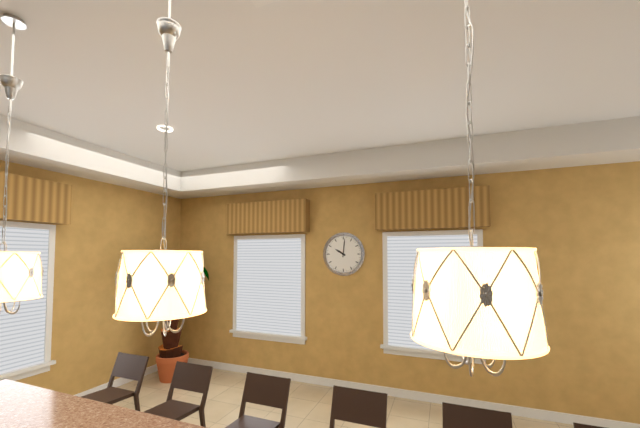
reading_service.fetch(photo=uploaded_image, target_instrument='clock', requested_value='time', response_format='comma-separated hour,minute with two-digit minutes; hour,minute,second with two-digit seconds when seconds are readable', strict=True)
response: 10,01
